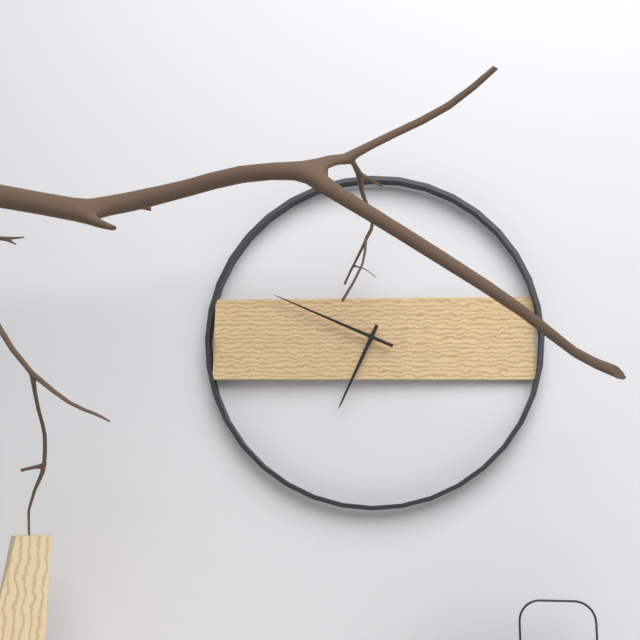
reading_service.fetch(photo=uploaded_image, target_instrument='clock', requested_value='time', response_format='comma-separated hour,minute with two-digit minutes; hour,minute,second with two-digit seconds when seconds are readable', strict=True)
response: 6,49
